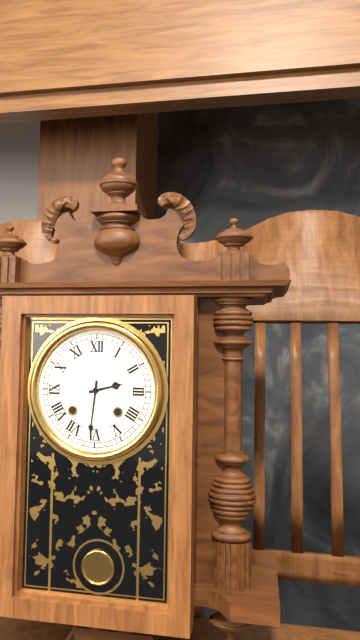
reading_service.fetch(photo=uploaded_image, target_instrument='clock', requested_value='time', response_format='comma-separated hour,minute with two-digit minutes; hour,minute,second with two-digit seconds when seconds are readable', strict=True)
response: 2,31
